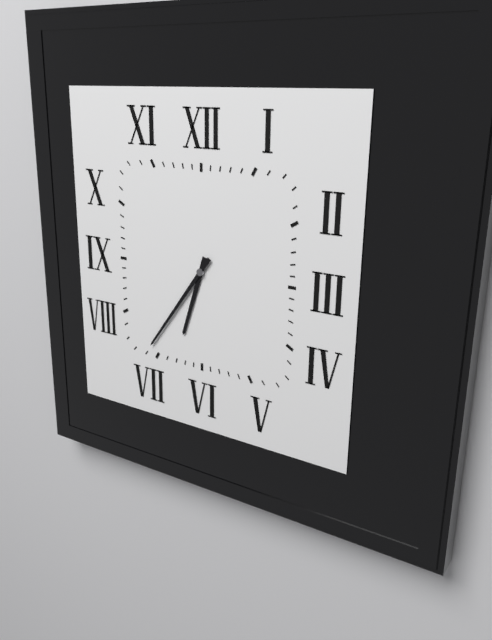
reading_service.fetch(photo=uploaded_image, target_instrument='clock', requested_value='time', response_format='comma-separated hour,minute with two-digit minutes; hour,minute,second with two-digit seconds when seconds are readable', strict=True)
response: 6,36
